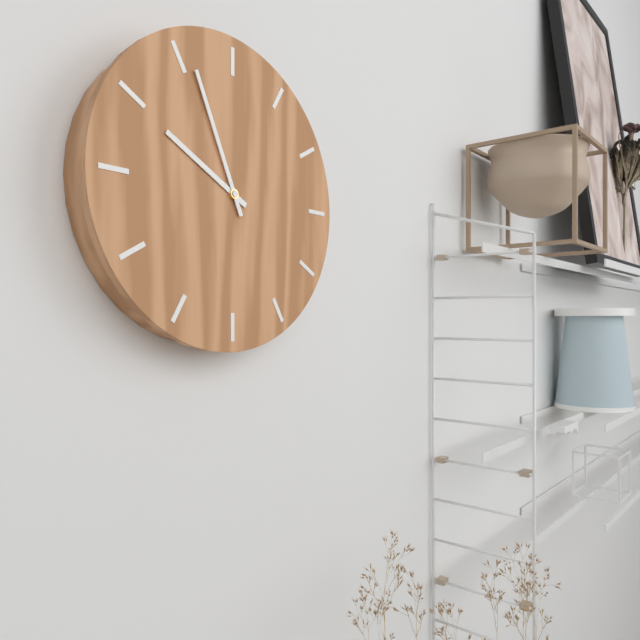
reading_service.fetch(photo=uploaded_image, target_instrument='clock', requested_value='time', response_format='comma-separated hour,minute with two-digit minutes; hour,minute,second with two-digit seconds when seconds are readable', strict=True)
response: 9,56
